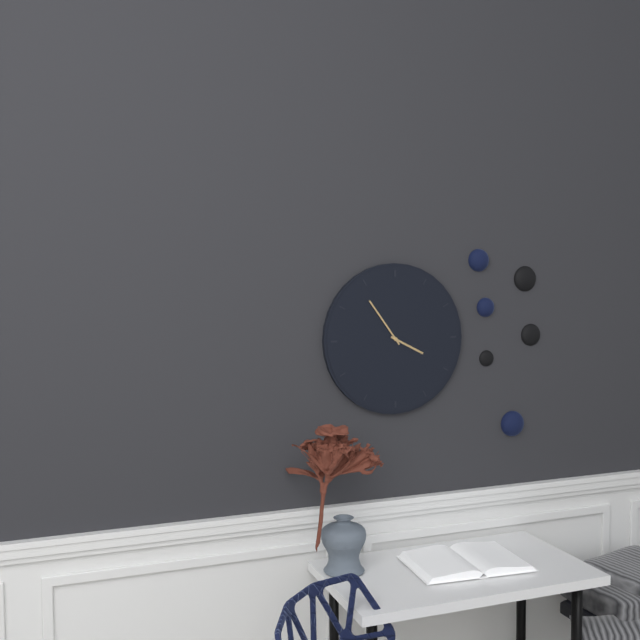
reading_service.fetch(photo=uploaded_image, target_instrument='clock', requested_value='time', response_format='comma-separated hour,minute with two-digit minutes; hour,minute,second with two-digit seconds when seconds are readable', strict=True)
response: 3,54
